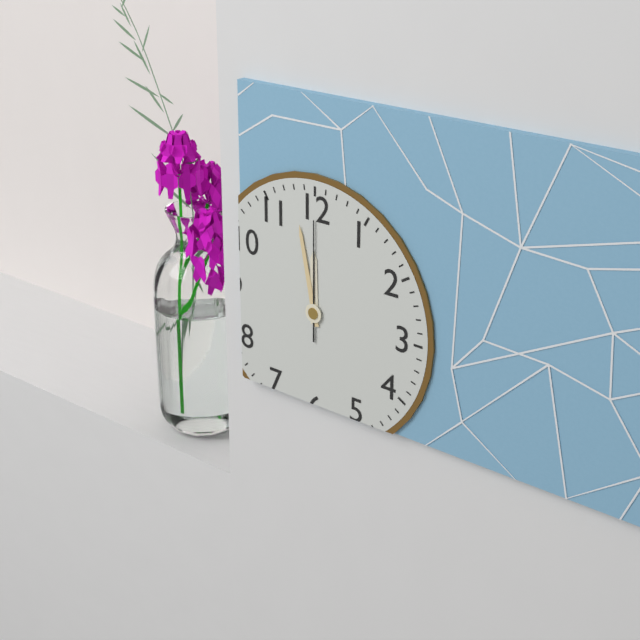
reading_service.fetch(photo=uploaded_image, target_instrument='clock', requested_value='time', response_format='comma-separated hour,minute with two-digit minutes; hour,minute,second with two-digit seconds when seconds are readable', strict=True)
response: 11,58,00
